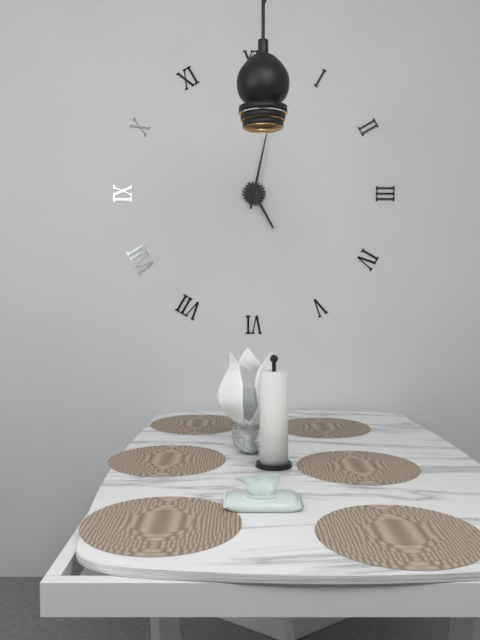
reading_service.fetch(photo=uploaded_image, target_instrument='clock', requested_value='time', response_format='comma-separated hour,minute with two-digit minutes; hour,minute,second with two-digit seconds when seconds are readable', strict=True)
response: 5,02
